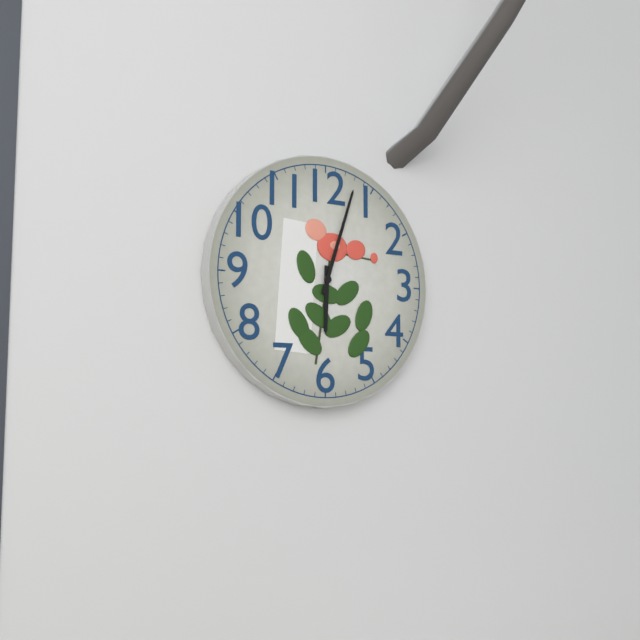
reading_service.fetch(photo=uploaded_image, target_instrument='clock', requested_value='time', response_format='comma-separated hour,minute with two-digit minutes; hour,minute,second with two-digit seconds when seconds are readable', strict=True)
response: 6,03
